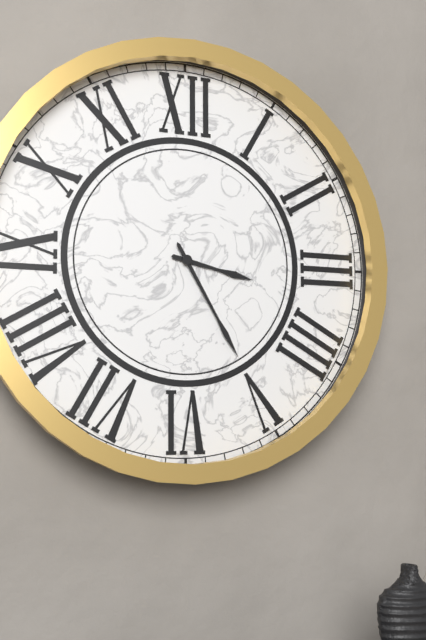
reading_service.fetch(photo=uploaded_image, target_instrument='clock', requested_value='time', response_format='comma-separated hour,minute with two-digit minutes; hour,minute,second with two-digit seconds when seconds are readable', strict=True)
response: 3,25
